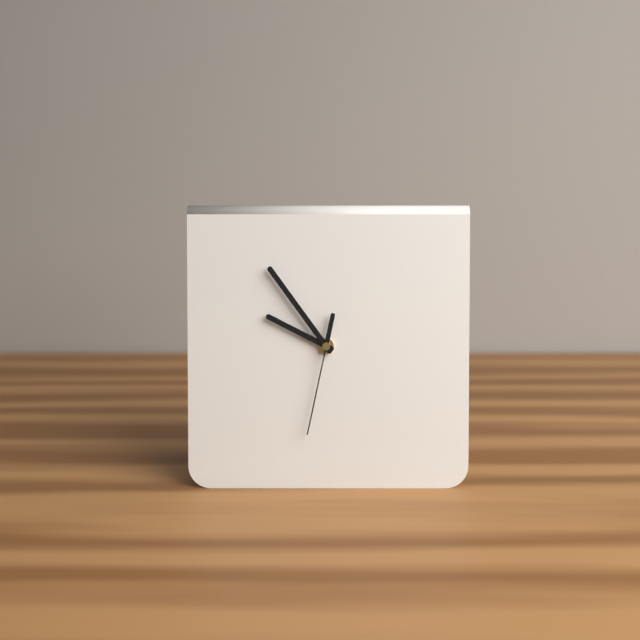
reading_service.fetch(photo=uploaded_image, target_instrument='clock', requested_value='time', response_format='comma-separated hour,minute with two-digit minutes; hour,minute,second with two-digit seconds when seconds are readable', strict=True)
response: 9,54,32
